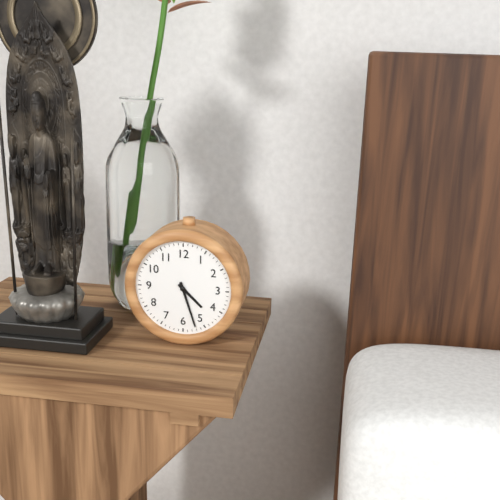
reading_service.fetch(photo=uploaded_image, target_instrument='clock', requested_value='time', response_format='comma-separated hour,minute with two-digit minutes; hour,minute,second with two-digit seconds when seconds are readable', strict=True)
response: 4,27
